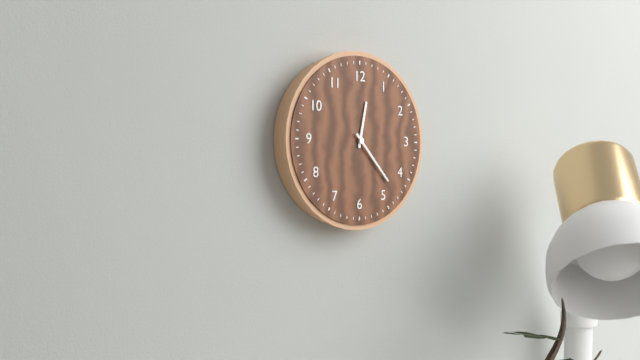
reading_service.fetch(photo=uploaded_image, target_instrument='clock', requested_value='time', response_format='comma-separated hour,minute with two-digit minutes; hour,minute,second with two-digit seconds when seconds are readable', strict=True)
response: 12,23
